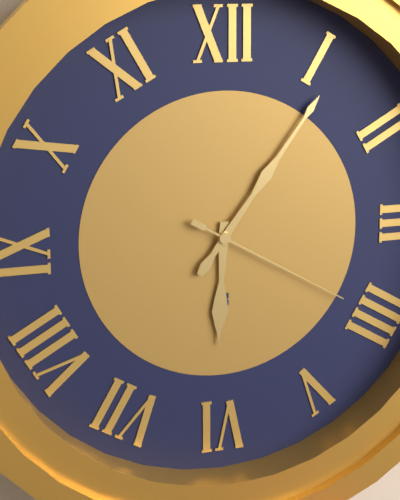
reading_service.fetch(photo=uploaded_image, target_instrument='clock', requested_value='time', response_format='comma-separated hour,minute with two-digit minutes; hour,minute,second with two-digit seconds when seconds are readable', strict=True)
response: 6,06,20
